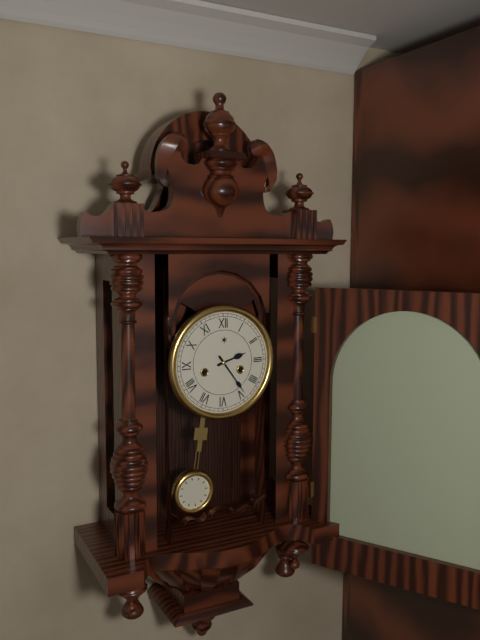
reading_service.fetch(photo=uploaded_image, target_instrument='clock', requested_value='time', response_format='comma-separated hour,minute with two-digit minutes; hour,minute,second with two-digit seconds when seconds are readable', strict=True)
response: 2,24
